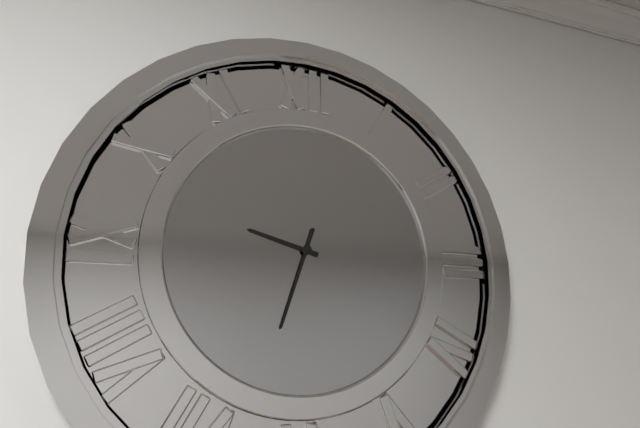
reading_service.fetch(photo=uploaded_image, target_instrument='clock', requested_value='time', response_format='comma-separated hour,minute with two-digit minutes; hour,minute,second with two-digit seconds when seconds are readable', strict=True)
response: 9,33
